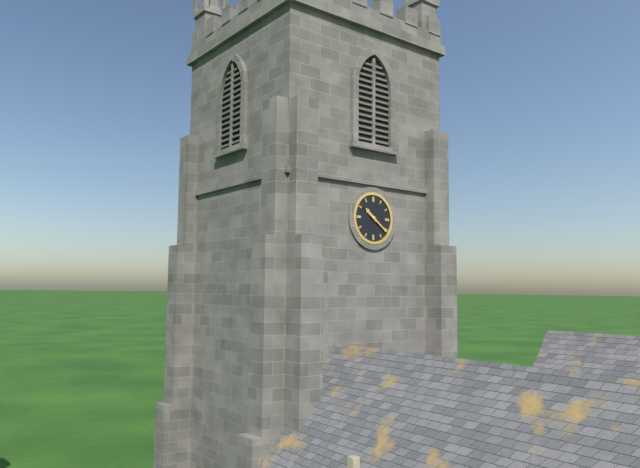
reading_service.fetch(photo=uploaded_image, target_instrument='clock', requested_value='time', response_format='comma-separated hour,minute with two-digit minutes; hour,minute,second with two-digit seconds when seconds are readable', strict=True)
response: 10,21
